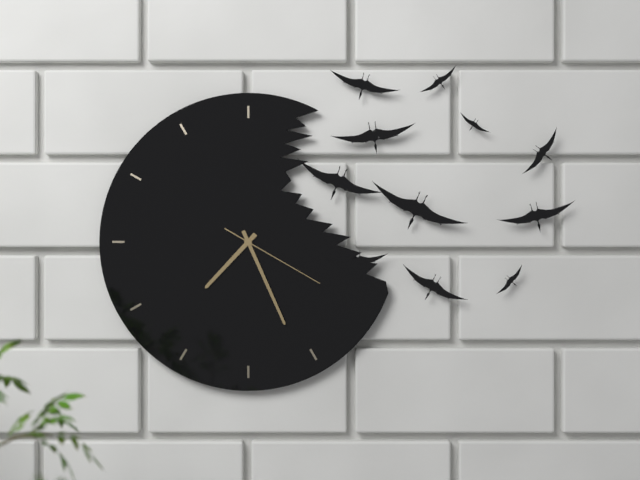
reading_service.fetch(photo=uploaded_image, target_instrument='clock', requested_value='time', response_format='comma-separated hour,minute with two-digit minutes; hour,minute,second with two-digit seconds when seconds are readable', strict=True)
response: 7,26,20
